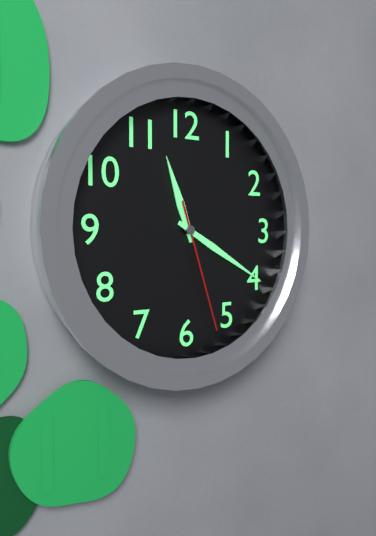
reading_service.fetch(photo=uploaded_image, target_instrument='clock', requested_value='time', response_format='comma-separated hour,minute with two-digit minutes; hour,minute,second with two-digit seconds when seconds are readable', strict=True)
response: 11,20,27
